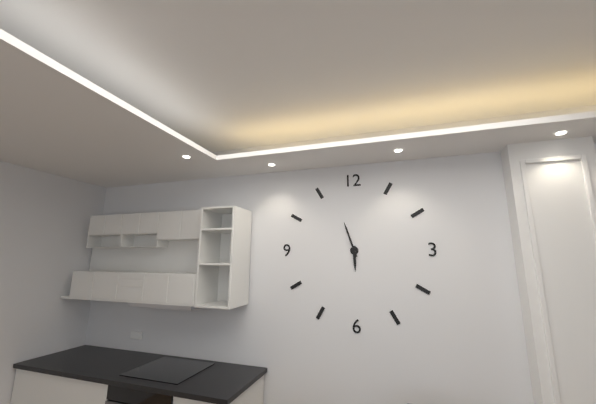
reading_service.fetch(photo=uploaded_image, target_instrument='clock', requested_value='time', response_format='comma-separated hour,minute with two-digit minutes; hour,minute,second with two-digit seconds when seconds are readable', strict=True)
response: 5,57
